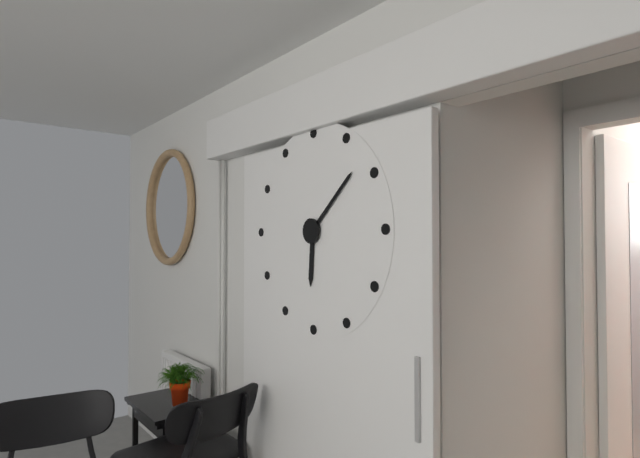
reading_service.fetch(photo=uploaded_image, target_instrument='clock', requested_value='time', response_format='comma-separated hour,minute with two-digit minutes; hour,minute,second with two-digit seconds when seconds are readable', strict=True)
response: 6,08
